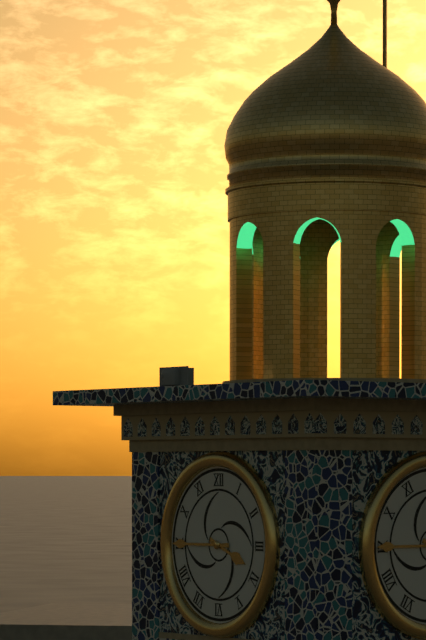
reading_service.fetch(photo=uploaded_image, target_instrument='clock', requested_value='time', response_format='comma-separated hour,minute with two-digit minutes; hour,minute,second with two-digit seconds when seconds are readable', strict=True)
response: 3,45
